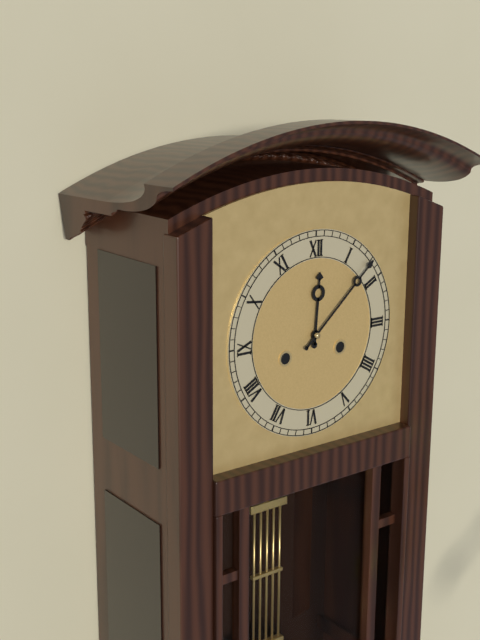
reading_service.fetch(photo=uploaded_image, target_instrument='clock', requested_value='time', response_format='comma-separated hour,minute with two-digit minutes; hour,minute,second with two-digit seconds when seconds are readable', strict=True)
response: 12,08
